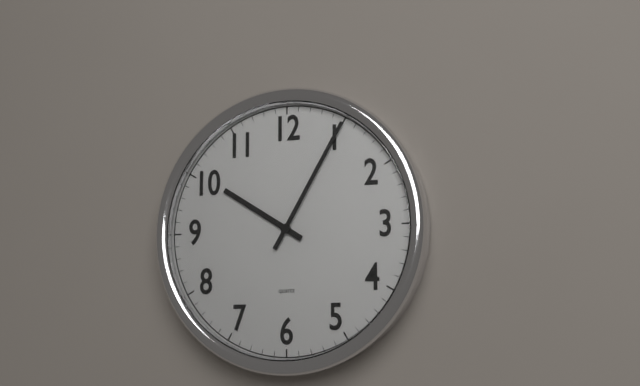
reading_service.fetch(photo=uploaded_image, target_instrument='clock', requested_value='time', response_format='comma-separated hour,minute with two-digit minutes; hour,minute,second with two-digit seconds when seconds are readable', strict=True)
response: 10,05
